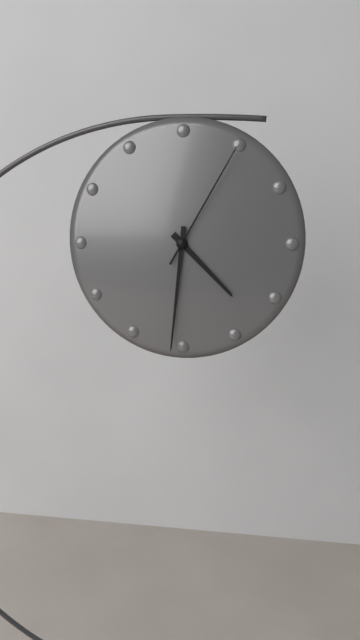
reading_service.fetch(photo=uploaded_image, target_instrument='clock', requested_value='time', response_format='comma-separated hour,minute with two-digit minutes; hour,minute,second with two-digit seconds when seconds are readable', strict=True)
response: 4,31,05
